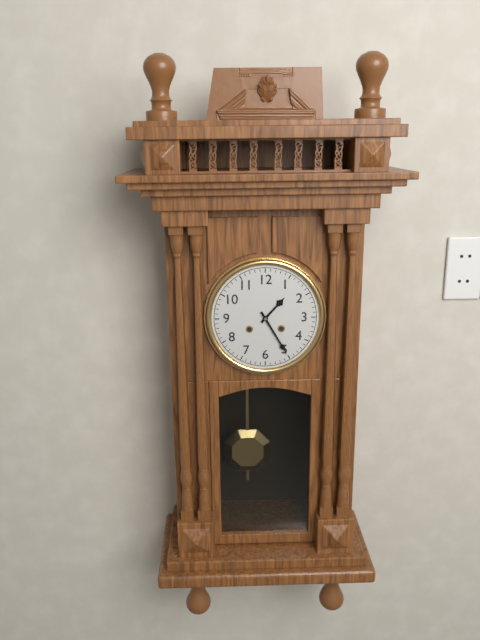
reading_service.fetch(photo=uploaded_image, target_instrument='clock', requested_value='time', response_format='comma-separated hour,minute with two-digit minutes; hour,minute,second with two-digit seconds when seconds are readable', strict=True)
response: 1,25
